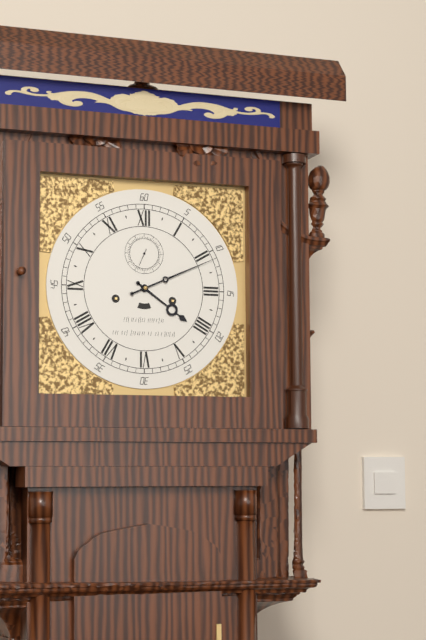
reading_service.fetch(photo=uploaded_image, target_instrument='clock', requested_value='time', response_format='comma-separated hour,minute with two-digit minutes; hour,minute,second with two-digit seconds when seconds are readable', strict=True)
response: 4,11
